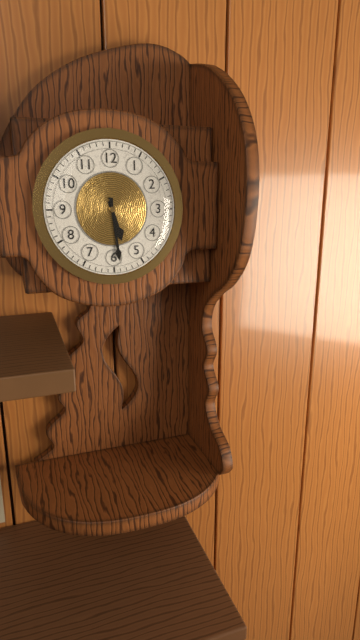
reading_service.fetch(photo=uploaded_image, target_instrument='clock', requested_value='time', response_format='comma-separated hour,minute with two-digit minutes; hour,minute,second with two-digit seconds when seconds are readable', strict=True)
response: 5,29
